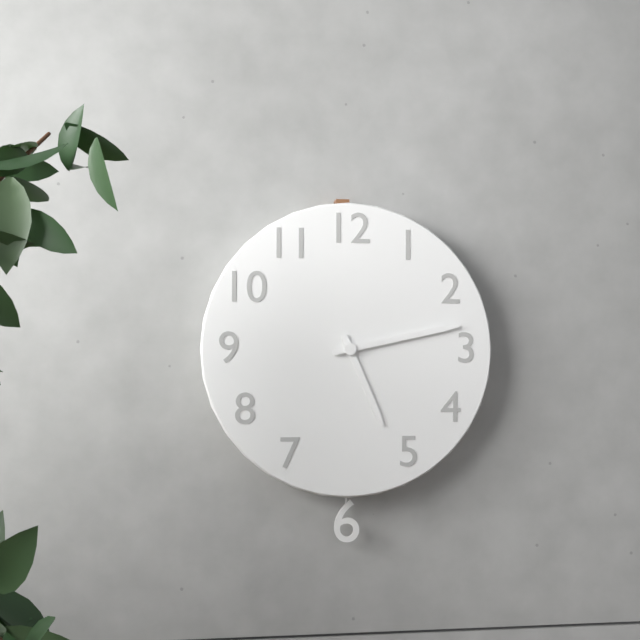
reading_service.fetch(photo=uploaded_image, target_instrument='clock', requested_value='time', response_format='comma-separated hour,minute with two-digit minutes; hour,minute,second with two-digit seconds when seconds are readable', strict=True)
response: 5,13
